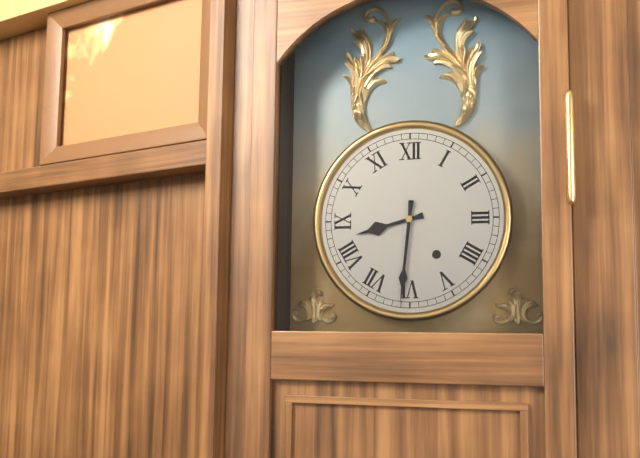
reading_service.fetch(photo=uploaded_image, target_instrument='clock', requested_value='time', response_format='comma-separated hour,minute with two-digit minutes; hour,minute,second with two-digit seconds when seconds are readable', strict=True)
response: 8,31
